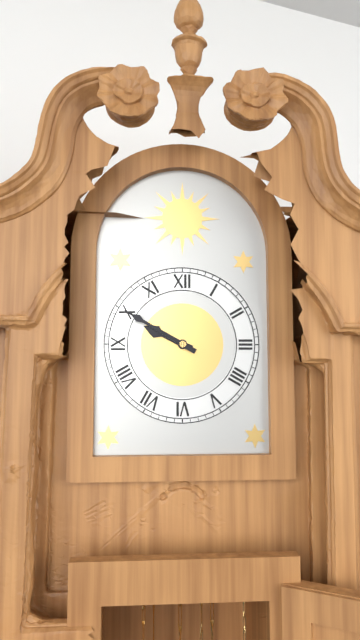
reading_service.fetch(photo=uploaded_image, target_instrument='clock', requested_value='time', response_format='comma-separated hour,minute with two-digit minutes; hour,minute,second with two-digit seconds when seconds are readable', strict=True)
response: 9,50
